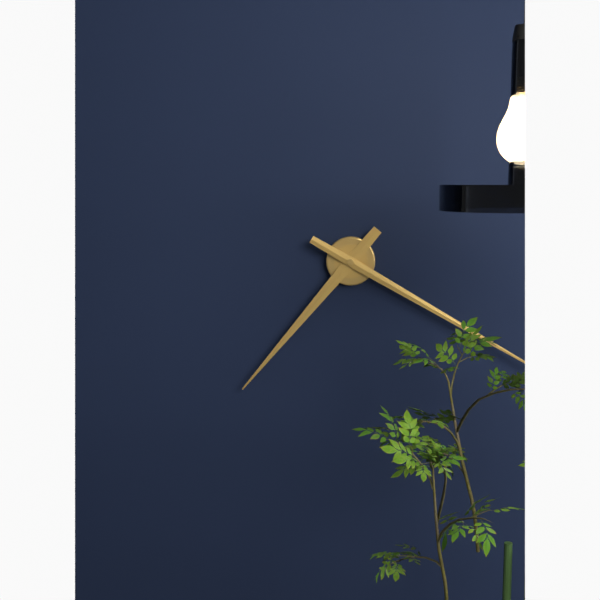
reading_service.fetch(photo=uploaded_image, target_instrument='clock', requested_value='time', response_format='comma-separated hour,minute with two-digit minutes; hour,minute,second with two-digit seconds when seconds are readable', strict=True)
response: 7,20
